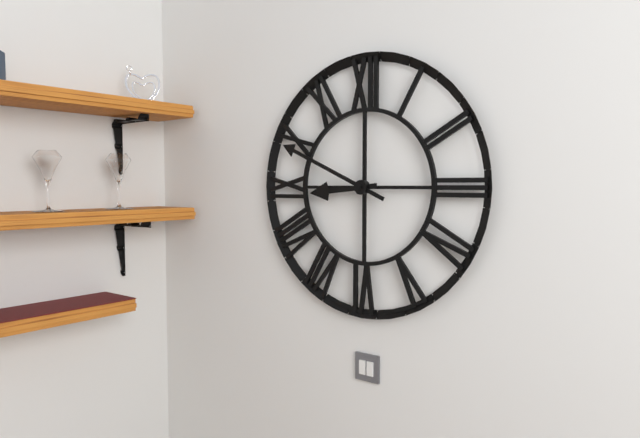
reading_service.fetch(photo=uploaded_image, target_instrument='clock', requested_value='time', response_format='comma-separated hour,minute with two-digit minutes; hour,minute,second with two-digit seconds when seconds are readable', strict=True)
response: 8,49
